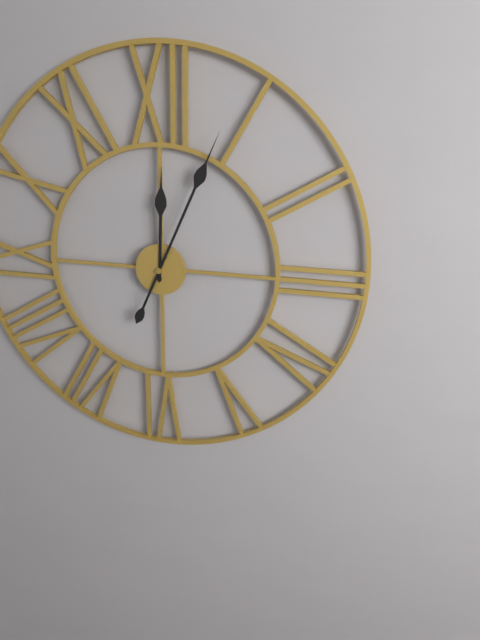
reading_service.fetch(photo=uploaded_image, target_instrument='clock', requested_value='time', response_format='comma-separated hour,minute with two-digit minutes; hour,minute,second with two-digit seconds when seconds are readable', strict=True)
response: 12,04
